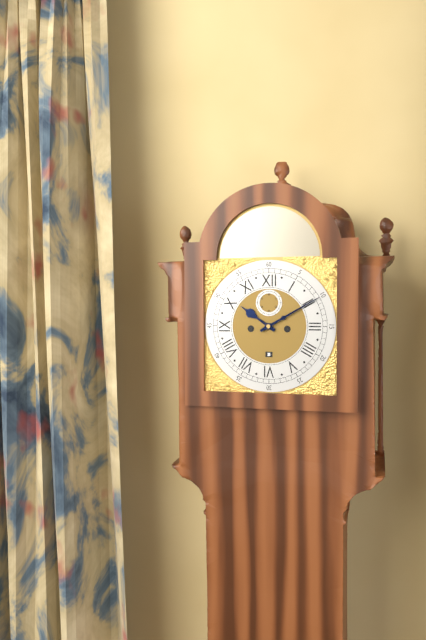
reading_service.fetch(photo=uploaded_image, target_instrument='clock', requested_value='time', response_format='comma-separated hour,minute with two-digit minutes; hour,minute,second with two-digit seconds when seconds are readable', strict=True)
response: 10,10
